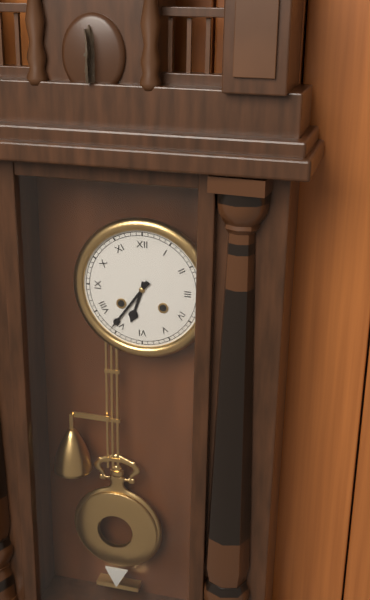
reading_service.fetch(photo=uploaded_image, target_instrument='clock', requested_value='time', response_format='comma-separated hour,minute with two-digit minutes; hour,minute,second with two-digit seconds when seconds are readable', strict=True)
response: 6,36
